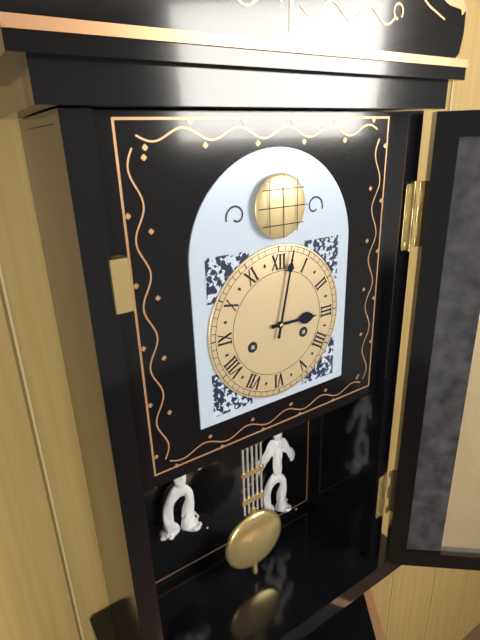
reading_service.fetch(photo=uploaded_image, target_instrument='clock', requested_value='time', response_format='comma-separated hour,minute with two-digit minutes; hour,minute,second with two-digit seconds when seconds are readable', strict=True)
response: 3,02
